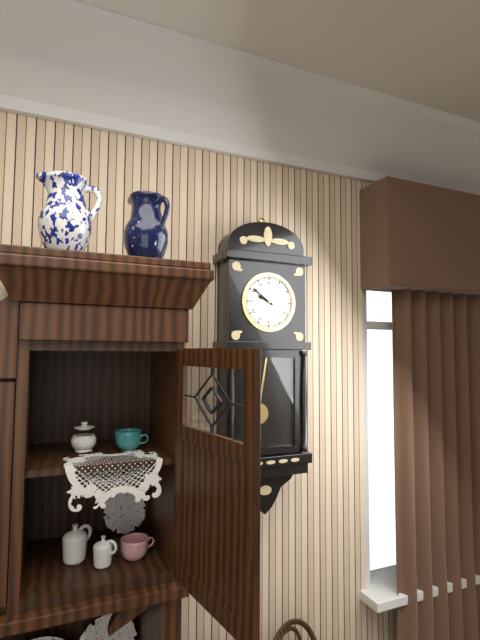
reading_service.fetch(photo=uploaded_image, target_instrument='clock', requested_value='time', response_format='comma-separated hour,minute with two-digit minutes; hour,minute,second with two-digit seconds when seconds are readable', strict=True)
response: 9,51
